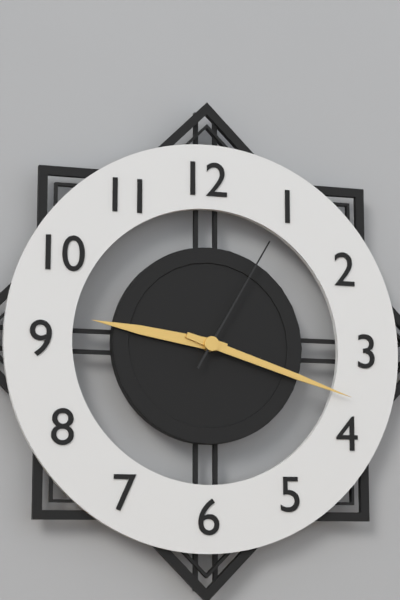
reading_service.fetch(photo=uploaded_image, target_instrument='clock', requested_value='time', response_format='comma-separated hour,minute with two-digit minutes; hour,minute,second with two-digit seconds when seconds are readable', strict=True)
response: 9,18,05
